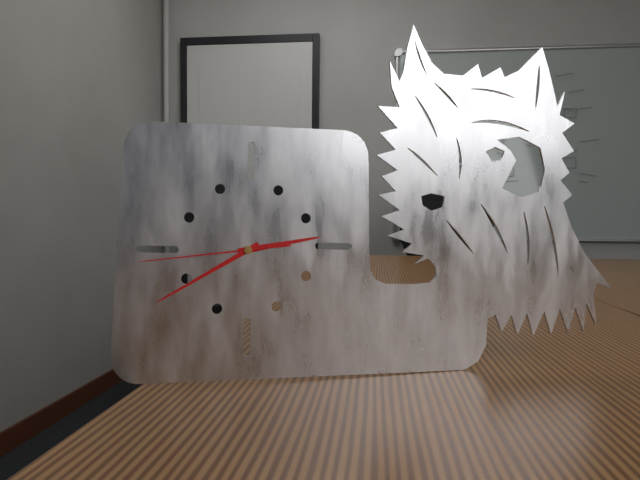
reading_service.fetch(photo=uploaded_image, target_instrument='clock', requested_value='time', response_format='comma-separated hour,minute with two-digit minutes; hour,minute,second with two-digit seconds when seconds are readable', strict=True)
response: 2,40,44
